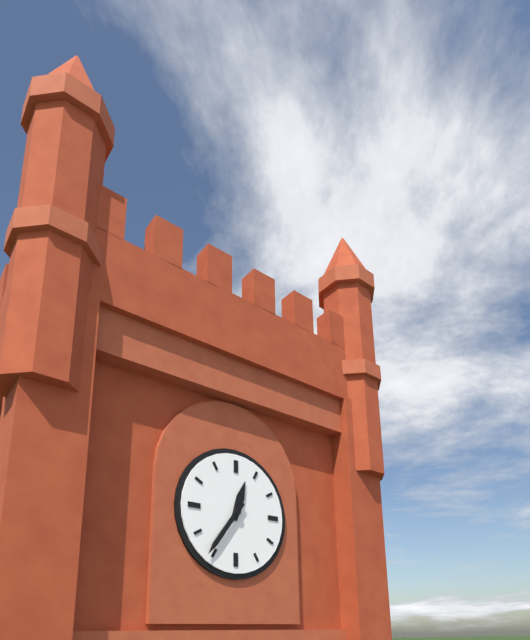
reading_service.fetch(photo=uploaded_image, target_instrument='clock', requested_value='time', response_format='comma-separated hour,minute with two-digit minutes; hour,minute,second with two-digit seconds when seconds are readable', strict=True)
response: 12,36
